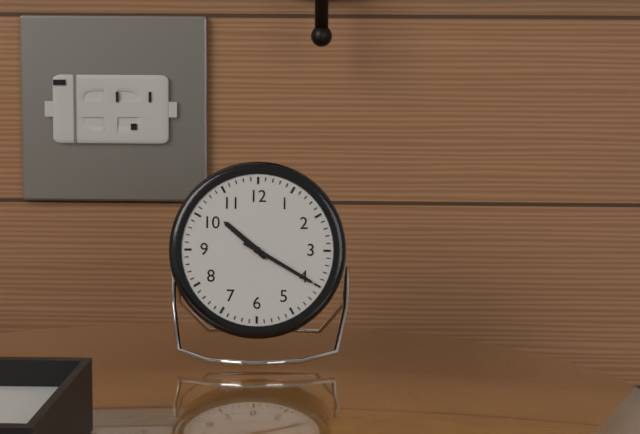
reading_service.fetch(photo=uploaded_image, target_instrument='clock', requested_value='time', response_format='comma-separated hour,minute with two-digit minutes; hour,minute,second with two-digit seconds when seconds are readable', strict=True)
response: 10,20
